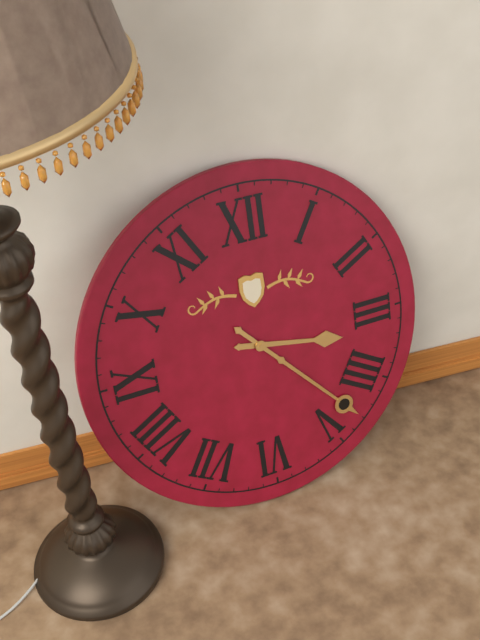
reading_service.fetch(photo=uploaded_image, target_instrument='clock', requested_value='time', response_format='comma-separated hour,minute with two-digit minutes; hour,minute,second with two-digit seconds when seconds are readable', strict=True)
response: 3,23
